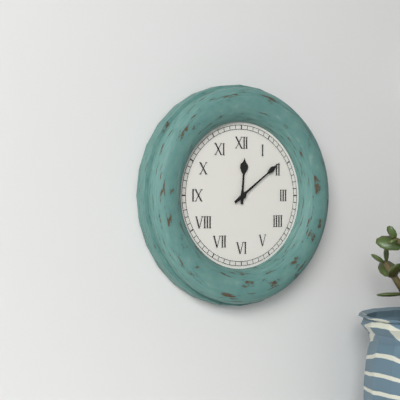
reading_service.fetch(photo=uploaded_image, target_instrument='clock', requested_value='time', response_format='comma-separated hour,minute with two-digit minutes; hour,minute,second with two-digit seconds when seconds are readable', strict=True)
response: 12,09
